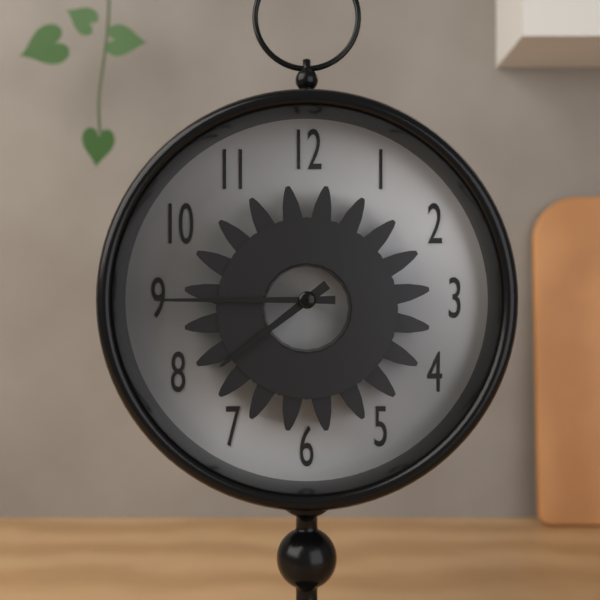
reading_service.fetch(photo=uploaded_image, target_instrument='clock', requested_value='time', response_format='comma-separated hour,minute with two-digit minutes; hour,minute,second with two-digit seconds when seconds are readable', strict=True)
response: 7,45
